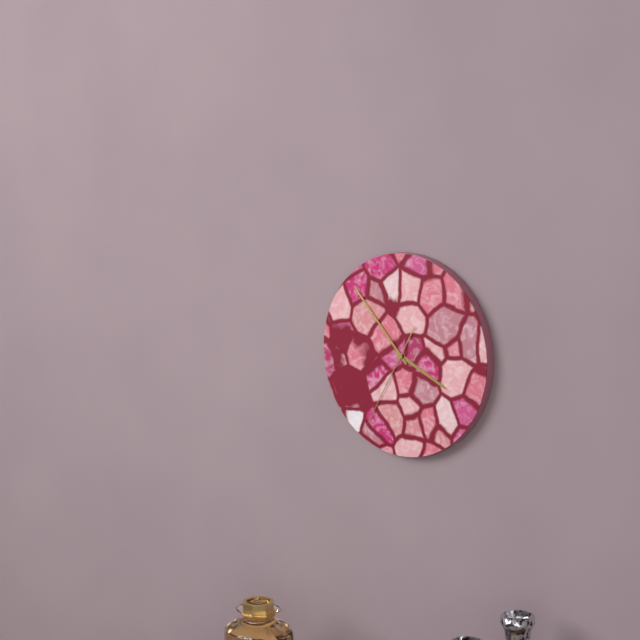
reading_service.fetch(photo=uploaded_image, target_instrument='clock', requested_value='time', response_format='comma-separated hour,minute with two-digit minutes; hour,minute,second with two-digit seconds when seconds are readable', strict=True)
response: 3,53,35
